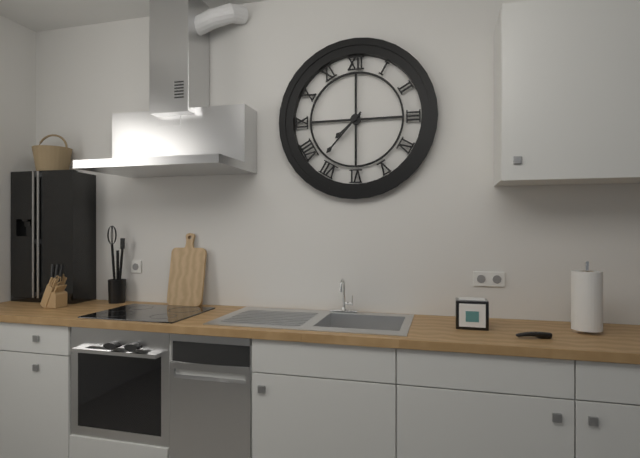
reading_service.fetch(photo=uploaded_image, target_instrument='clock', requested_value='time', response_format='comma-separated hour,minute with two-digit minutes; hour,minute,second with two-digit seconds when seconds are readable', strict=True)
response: 7,37
